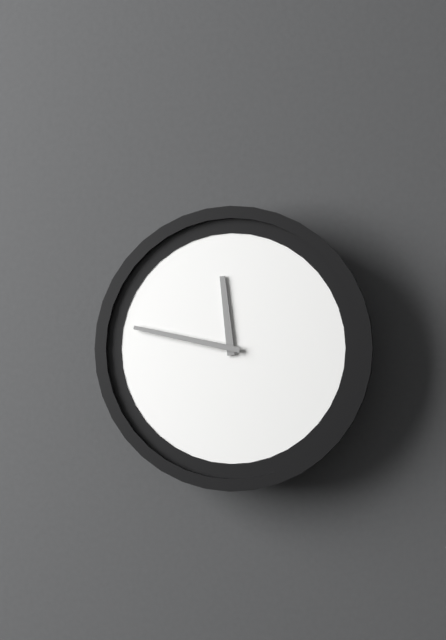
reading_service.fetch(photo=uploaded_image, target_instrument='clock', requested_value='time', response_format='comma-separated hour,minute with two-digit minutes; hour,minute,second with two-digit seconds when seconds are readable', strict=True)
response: 11,47
